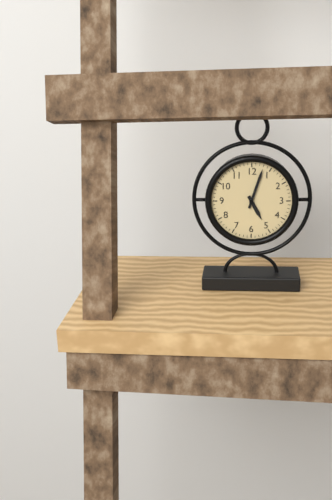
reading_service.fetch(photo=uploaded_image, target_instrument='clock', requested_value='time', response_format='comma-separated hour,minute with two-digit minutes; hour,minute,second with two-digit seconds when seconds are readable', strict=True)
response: 5,03
